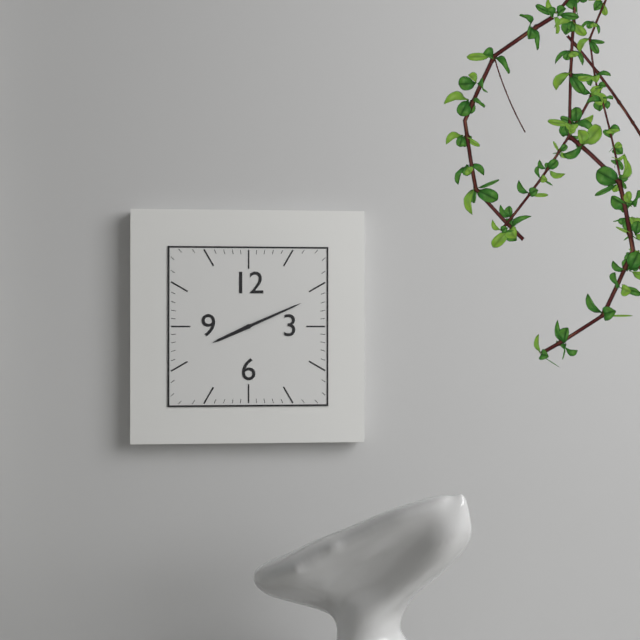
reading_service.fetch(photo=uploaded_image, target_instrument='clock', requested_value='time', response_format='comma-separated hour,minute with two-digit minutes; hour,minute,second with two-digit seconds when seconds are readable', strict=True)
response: 8,11
